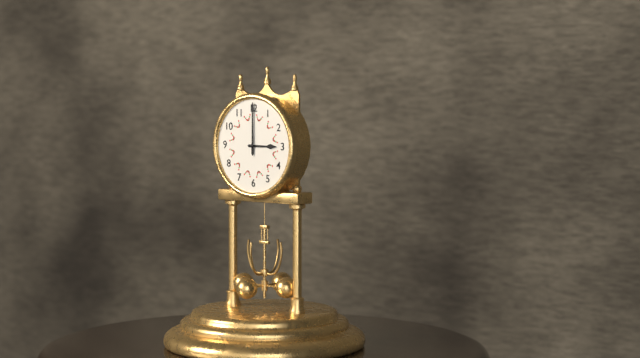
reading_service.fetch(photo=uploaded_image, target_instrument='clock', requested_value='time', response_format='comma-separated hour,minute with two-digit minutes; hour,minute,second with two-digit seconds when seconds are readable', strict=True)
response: 3,00
